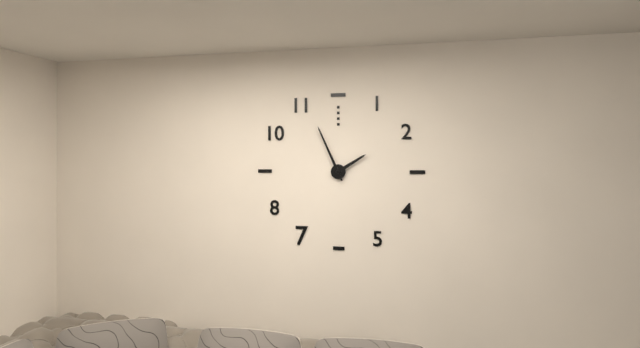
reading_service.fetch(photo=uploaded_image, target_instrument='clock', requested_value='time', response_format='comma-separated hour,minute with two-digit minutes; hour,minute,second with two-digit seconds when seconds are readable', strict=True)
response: 1,56
